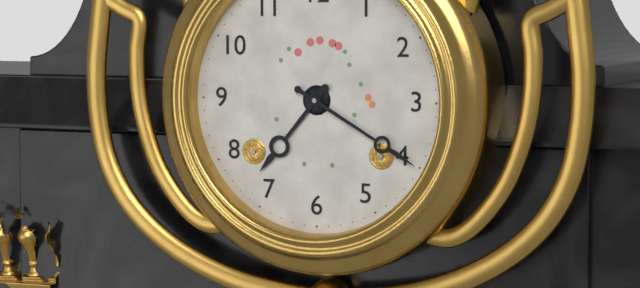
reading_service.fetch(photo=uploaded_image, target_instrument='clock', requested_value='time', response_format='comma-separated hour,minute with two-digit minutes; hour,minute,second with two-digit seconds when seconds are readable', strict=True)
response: 7,20
